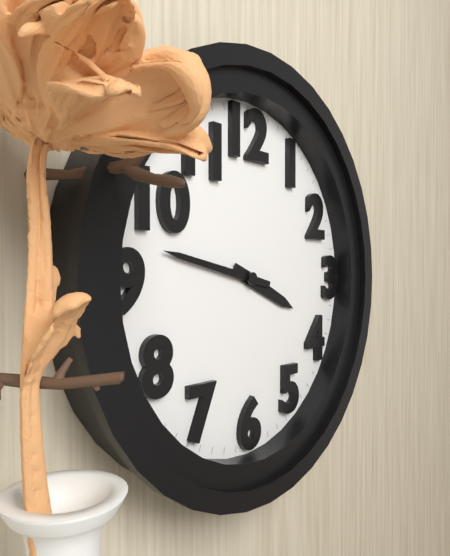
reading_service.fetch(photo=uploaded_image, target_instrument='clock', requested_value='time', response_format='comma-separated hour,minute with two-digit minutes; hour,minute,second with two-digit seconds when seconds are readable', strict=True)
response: 3,47
